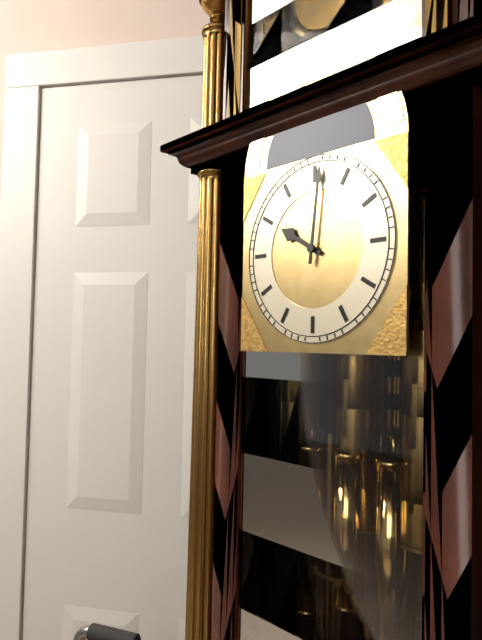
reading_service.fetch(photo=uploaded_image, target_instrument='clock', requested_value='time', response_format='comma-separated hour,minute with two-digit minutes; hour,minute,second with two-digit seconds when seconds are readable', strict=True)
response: 10,01
